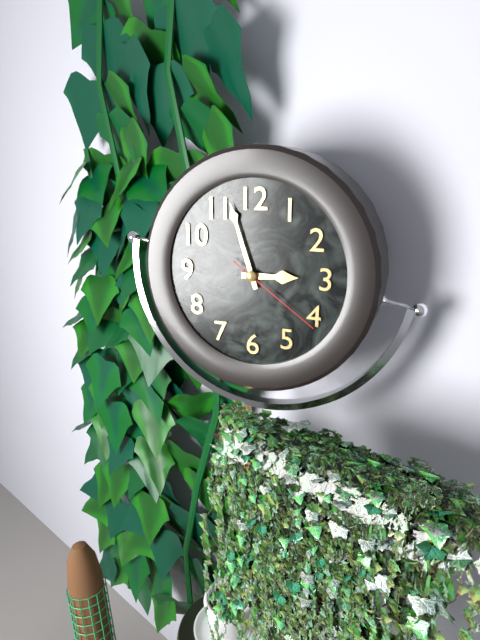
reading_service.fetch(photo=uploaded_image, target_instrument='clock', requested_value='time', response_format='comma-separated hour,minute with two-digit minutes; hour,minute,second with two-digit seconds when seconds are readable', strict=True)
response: 2,57,21
